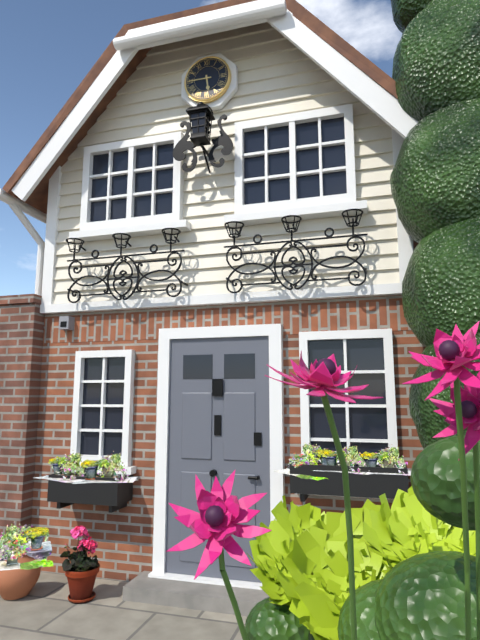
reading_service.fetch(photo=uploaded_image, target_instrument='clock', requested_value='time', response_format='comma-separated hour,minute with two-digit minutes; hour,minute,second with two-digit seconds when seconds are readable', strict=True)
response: 5,45
